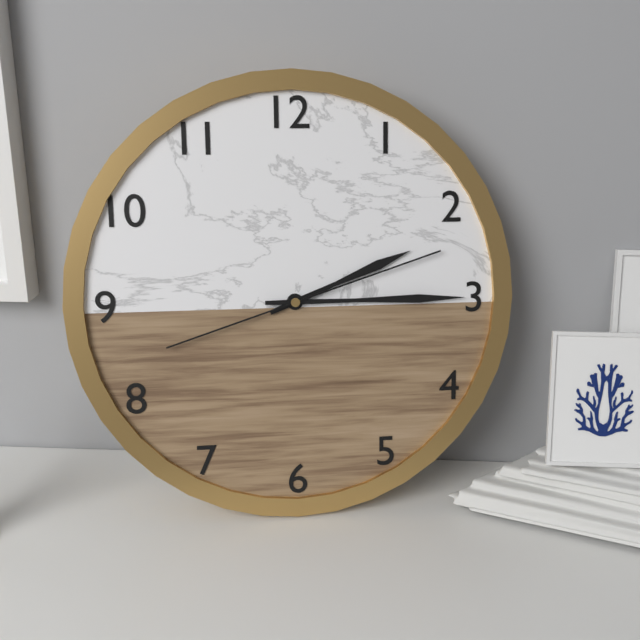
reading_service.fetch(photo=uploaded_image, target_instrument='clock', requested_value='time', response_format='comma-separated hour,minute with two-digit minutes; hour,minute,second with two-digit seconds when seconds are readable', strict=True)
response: 2,15,12
